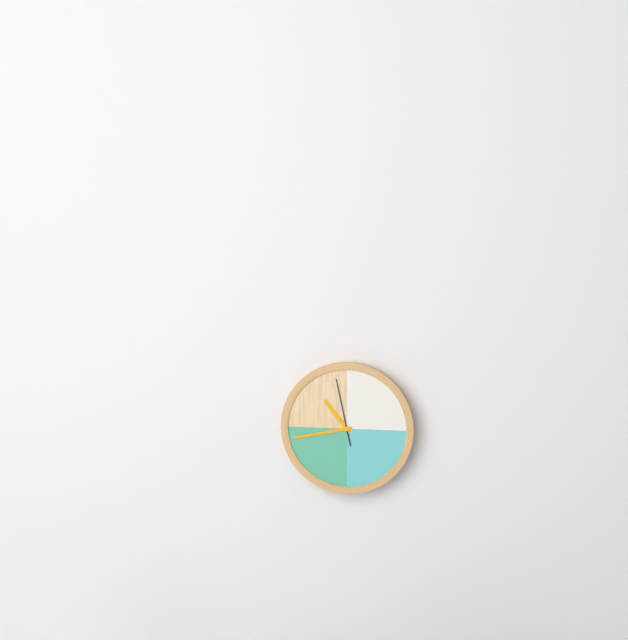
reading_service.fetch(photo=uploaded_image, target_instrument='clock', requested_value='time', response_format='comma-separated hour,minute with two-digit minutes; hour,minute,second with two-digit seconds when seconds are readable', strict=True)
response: 10,43,58
